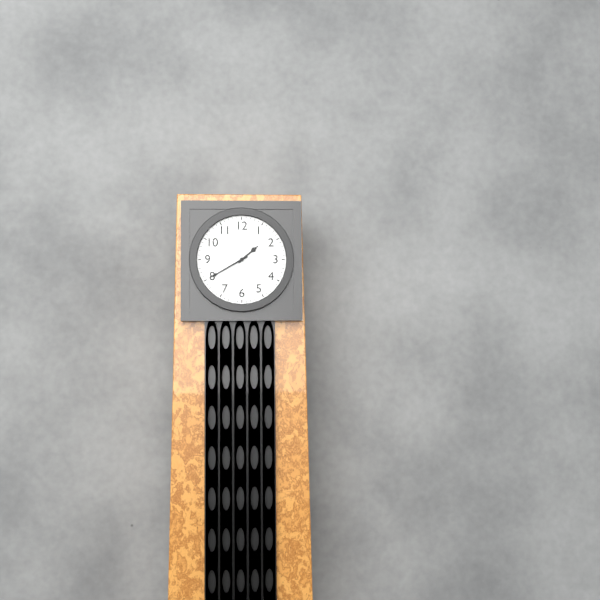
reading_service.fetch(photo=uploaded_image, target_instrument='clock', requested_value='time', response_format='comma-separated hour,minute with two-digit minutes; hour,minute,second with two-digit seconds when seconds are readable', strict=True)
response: 1,40
